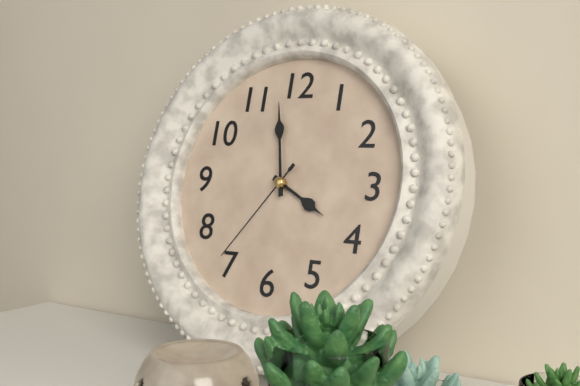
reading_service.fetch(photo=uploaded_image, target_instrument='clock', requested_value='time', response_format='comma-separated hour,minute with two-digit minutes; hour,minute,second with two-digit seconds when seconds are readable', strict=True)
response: 3,58,36
